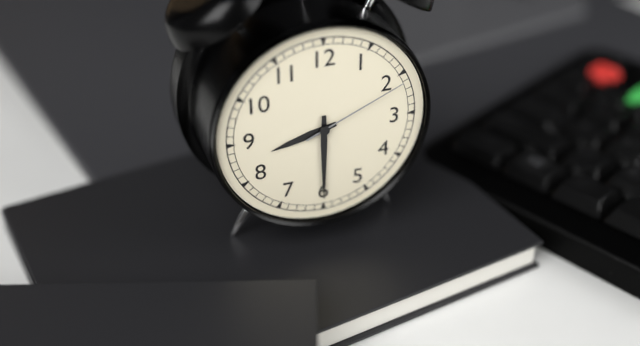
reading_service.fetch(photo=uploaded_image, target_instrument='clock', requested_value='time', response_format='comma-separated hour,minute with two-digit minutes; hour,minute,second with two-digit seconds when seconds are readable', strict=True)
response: 8,30,11
